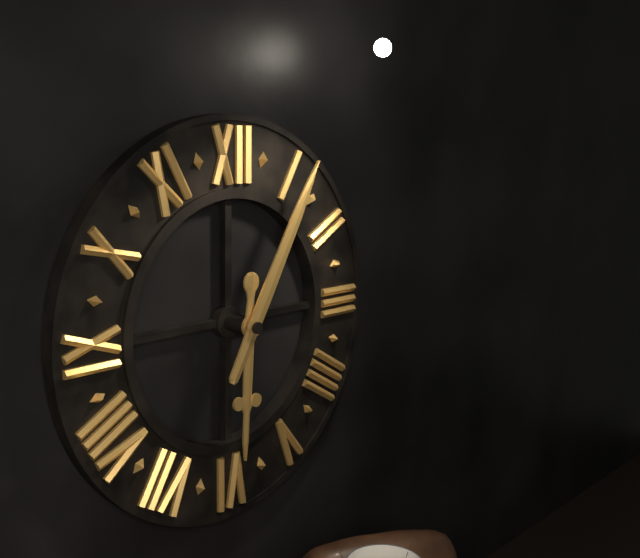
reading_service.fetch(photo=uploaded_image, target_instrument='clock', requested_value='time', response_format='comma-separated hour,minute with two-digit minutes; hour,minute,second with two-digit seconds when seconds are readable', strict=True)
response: 6,05
